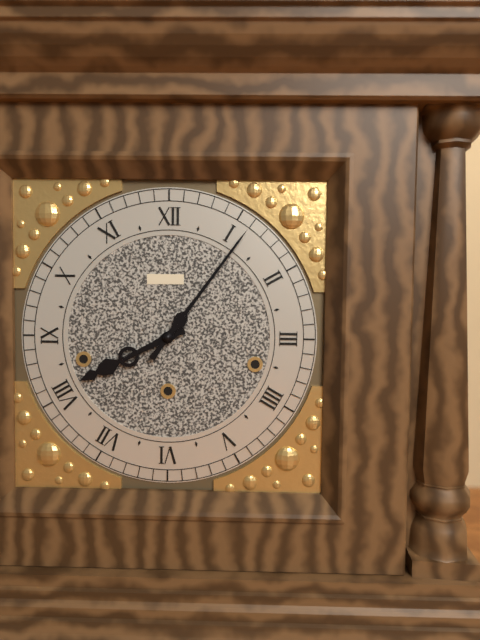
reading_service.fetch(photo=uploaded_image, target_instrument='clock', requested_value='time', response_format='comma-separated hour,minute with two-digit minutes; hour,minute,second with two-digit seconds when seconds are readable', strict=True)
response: 8,06
